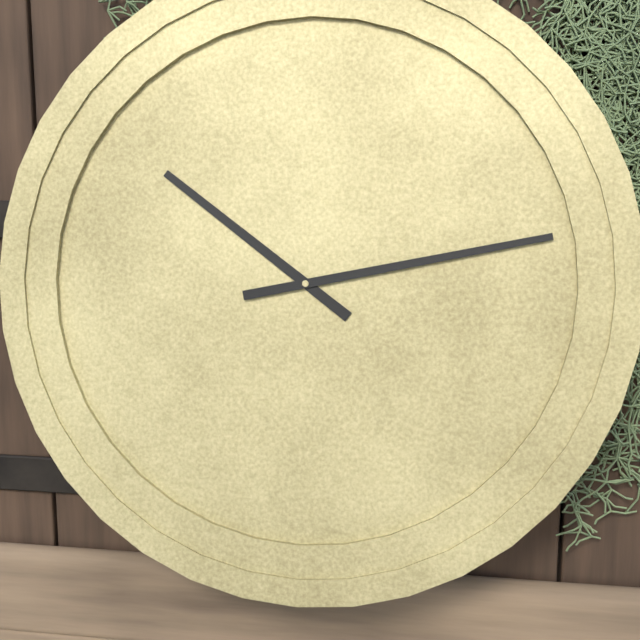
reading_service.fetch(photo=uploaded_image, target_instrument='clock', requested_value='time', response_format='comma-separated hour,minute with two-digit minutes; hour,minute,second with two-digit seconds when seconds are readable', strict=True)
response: 10,13
